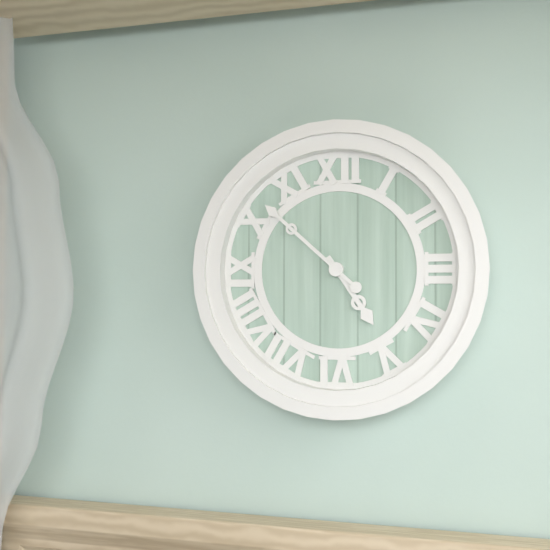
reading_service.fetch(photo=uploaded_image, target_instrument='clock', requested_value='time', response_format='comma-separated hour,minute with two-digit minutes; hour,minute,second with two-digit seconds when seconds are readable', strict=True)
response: 4,52
